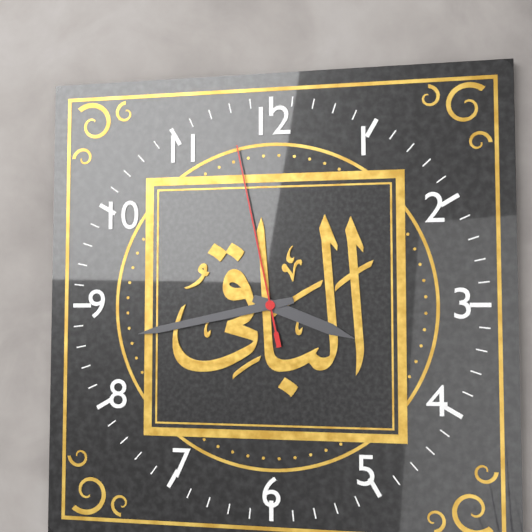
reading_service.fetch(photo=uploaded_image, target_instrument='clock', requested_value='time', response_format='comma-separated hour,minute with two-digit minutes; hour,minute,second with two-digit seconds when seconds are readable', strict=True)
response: 3,43,58
